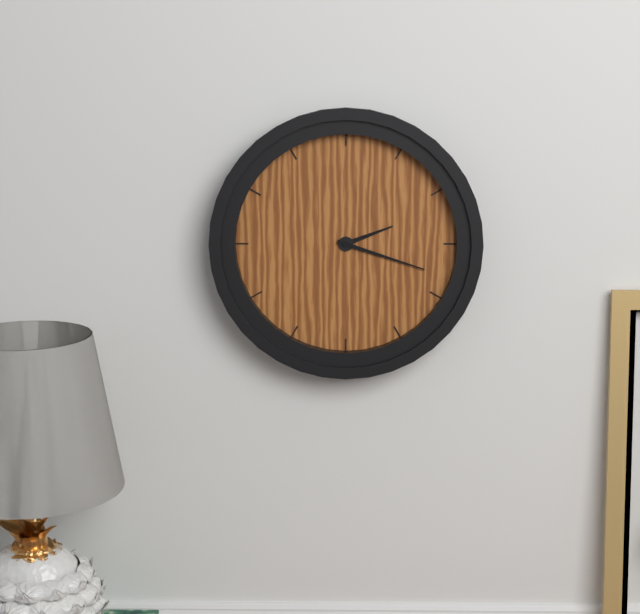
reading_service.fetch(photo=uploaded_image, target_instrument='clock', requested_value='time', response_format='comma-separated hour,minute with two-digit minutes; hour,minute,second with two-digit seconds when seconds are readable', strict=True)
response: 2,18
